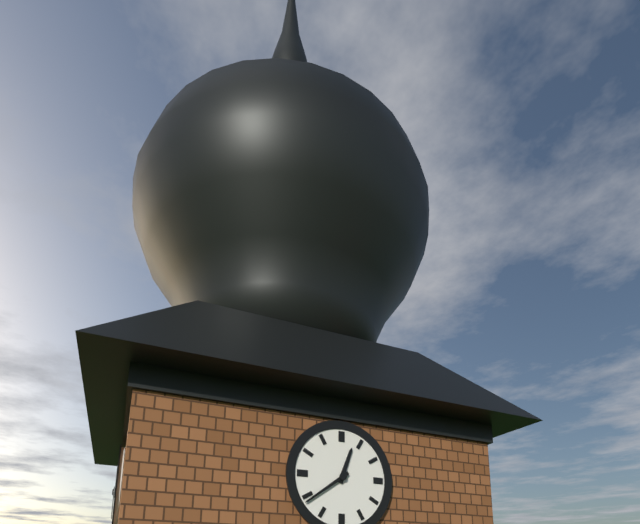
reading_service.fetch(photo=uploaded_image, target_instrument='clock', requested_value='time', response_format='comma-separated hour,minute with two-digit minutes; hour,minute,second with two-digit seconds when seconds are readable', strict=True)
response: 12,39
